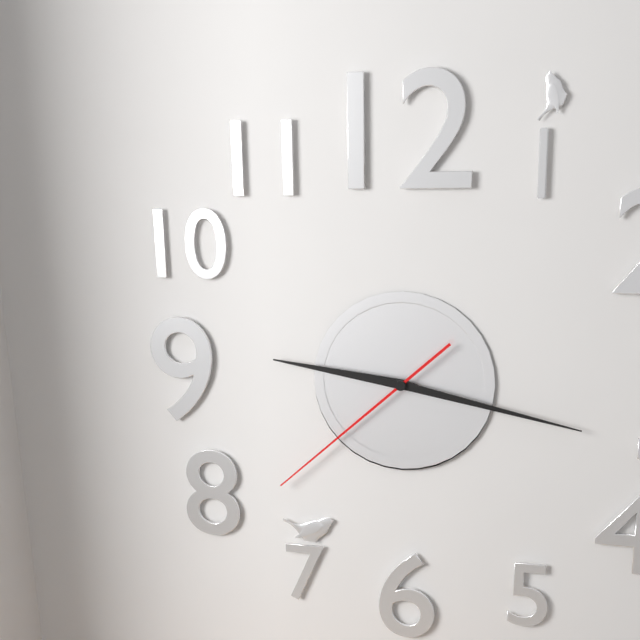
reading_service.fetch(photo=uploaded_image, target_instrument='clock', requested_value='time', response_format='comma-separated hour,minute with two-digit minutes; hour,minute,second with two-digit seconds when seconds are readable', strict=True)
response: 9,17,38
